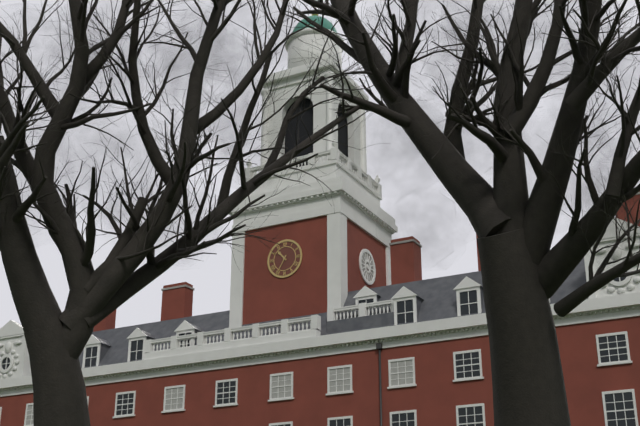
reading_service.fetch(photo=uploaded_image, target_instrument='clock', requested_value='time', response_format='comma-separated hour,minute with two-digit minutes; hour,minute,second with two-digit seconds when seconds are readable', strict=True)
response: 10,35
